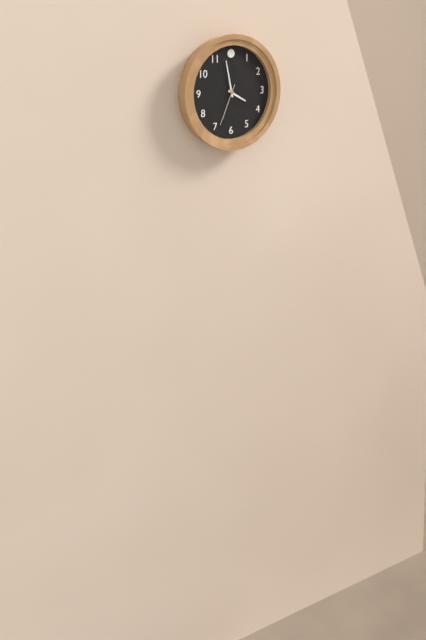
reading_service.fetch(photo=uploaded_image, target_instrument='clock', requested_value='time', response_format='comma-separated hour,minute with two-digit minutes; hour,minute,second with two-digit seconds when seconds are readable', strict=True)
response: 3,58
